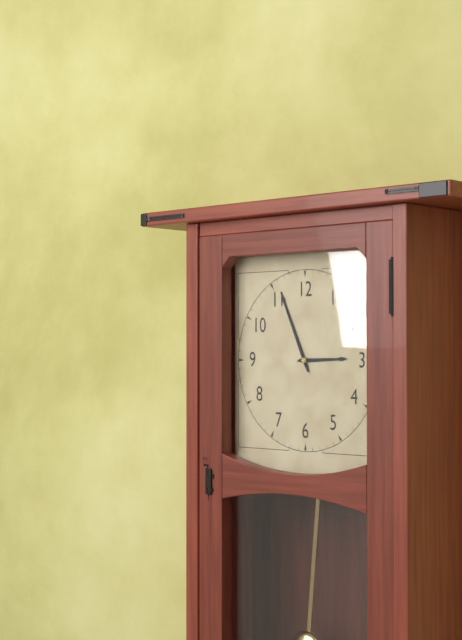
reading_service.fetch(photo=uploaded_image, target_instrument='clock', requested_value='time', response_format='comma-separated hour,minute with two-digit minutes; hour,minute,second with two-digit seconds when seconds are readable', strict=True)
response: 2,56
